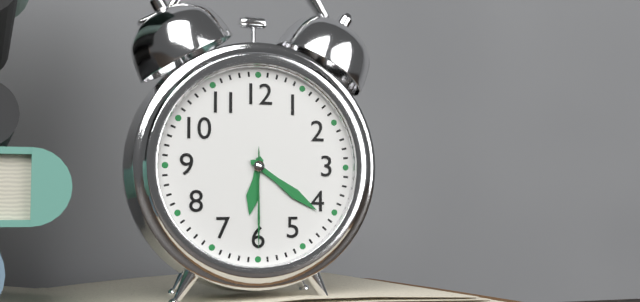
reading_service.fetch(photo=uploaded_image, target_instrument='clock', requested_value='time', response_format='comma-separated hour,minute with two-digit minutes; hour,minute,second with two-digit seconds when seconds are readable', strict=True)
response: 6,21,30
